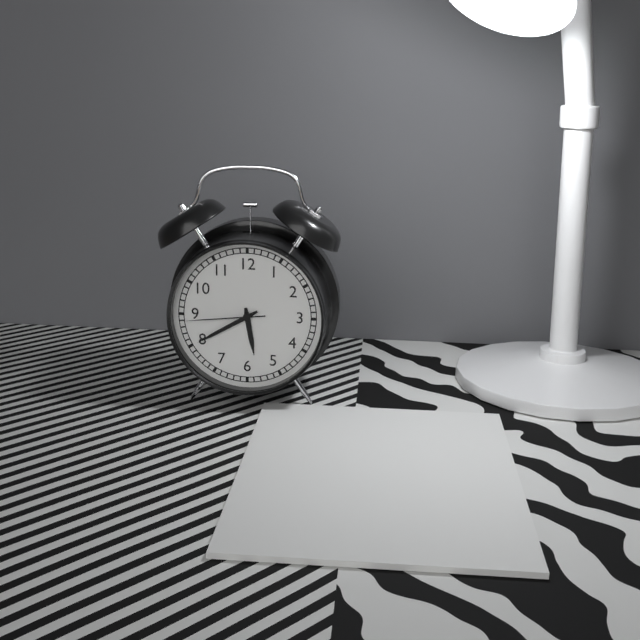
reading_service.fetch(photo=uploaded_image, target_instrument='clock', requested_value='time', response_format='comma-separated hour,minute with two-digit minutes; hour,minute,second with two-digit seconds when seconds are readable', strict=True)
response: 5,40,44
